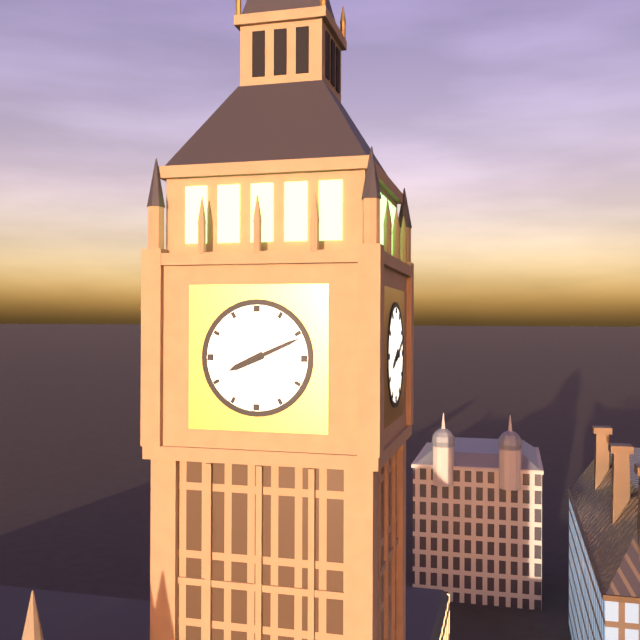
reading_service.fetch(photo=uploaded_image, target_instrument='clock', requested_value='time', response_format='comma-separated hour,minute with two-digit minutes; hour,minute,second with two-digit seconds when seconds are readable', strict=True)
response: 8,11
